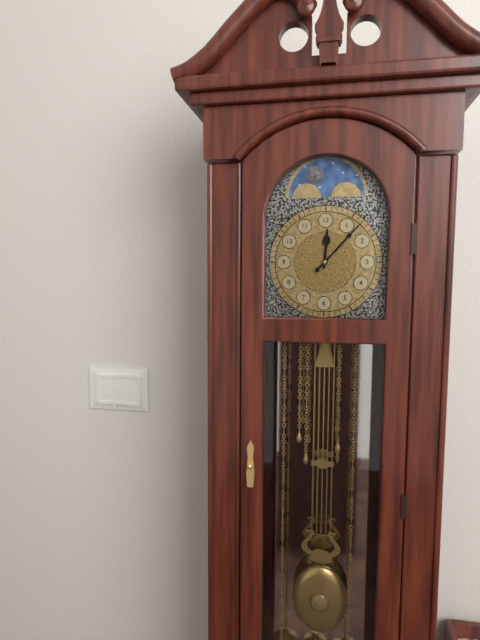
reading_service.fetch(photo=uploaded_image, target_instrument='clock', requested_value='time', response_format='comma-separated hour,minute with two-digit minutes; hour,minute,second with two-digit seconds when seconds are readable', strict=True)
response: 12,07
